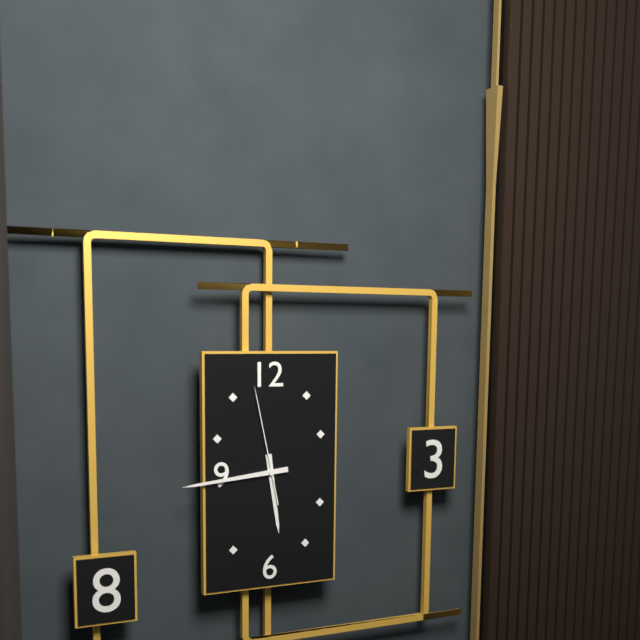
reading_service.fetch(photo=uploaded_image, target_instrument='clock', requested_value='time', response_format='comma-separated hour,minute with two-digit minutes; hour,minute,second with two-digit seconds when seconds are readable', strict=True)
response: 5,44,58
